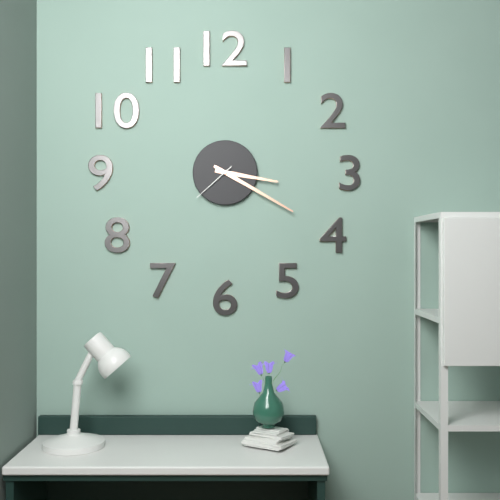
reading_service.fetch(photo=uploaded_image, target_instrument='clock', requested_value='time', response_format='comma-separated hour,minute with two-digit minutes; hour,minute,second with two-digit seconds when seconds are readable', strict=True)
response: 3,20
